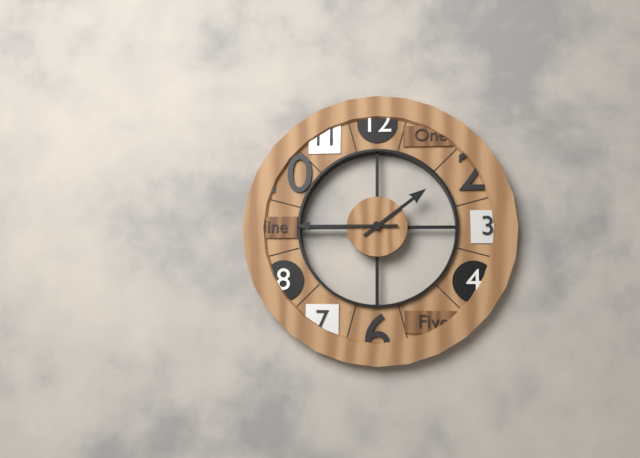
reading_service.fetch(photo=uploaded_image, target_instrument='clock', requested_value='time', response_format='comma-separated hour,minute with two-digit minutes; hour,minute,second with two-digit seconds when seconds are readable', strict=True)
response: 1,45
